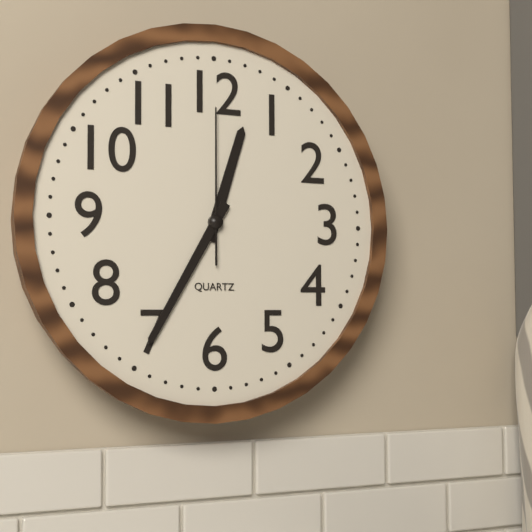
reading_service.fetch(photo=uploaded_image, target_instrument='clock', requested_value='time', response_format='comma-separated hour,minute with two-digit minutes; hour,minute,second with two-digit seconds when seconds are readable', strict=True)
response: 12,35,00
